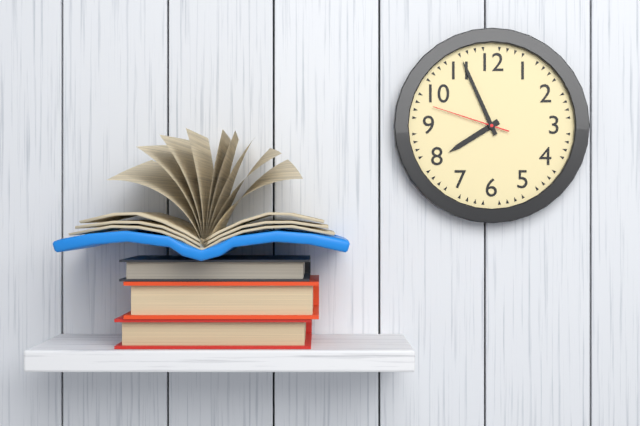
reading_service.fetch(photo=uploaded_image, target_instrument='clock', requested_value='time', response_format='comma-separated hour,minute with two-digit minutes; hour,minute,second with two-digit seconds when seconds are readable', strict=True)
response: 7,56,48
